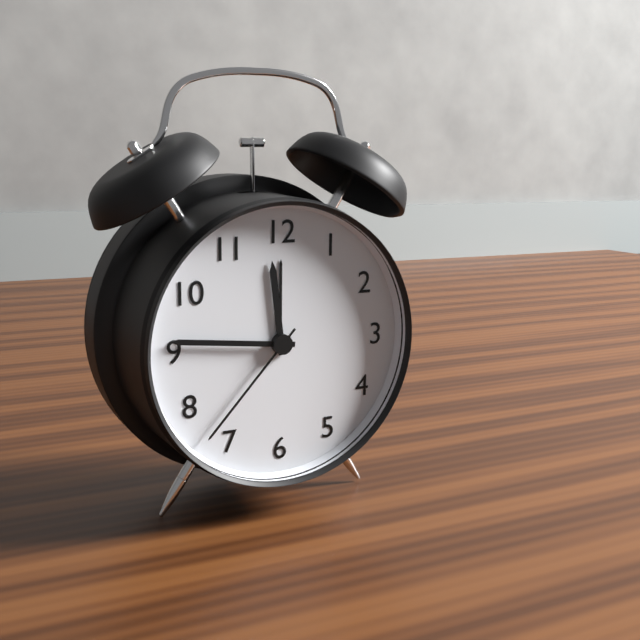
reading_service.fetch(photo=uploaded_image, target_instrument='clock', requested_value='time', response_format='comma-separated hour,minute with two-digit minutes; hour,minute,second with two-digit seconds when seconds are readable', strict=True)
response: 11,46,37
